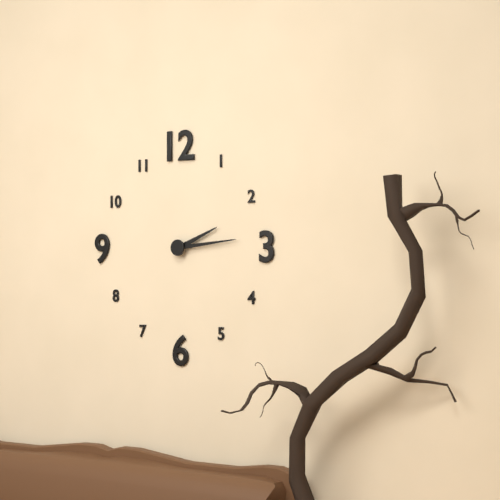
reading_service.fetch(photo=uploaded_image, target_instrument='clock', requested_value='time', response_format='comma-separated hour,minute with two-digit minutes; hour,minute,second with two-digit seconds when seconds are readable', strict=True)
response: 2,14
